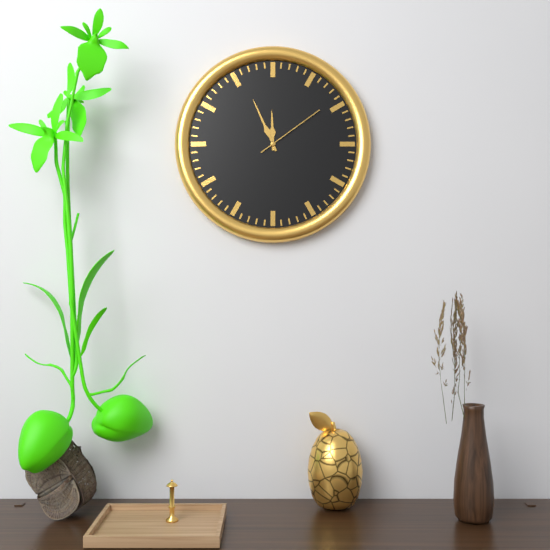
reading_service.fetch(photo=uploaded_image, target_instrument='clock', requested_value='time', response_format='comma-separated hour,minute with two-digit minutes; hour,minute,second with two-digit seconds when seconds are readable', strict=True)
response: 11,56,09
